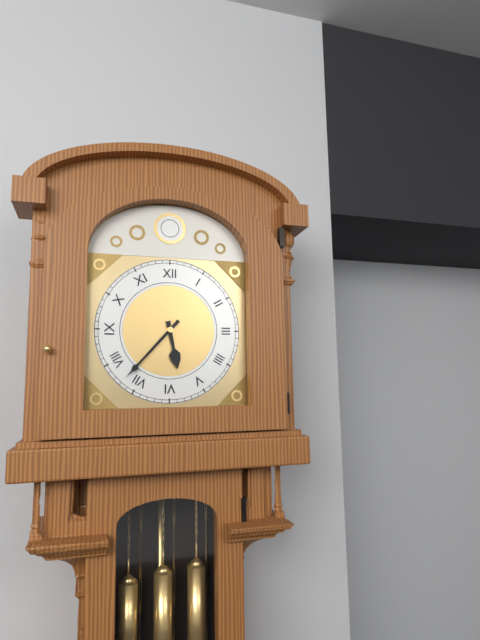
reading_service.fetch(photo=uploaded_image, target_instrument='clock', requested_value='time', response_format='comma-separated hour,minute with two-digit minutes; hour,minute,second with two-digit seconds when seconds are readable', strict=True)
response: 5,37
